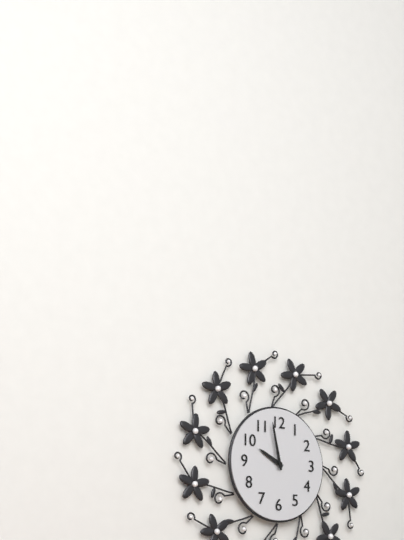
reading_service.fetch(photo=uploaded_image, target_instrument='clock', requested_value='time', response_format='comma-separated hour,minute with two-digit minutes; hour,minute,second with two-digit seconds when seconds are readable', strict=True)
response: 9,58
